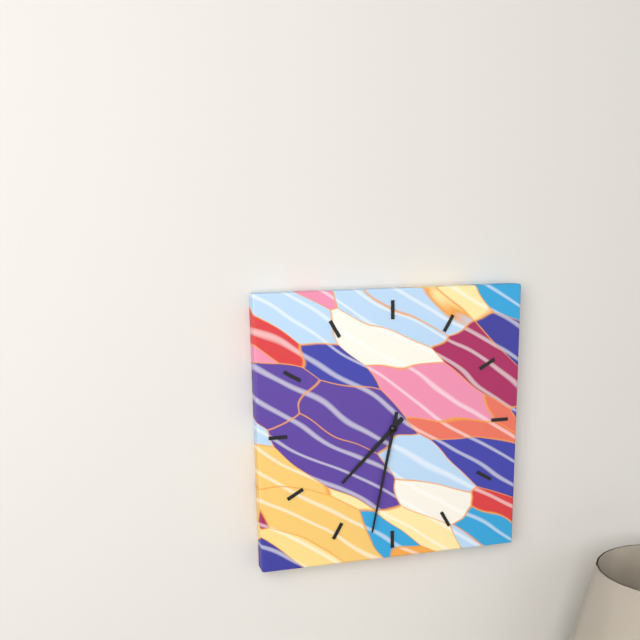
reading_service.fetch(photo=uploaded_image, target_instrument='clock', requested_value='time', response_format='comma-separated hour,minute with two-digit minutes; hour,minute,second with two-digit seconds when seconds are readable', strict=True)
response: 7,32
